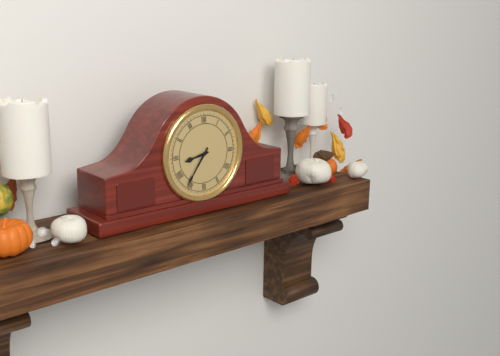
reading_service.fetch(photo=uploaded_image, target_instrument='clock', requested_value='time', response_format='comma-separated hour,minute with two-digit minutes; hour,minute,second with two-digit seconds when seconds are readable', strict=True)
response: 8,36
